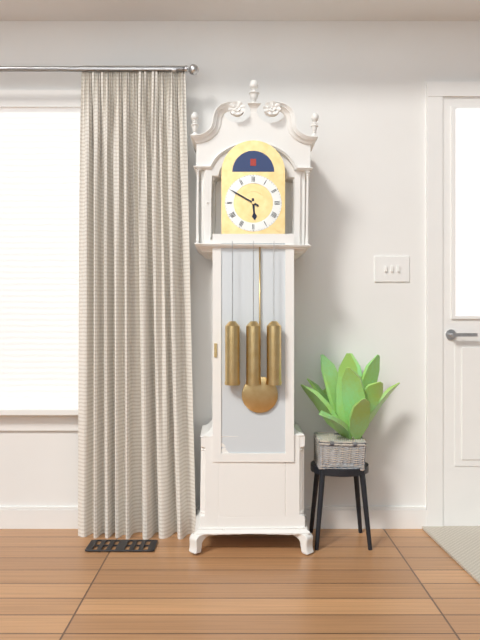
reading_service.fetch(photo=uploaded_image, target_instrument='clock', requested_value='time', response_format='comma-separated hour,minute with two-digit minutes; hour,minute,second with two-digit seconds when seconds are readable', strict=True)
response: 5,50
